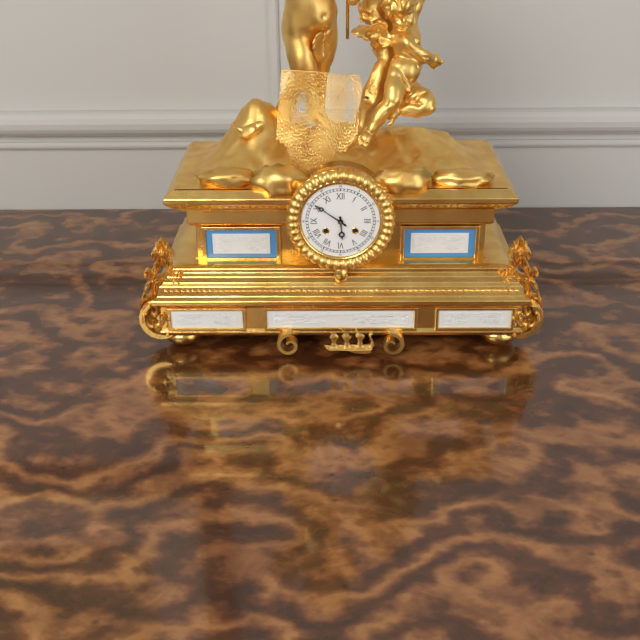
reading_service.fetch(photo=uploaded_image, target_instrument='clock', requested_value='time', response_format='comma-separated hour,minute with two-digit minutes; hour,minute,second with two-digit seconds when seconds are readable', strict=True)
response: 5,51
